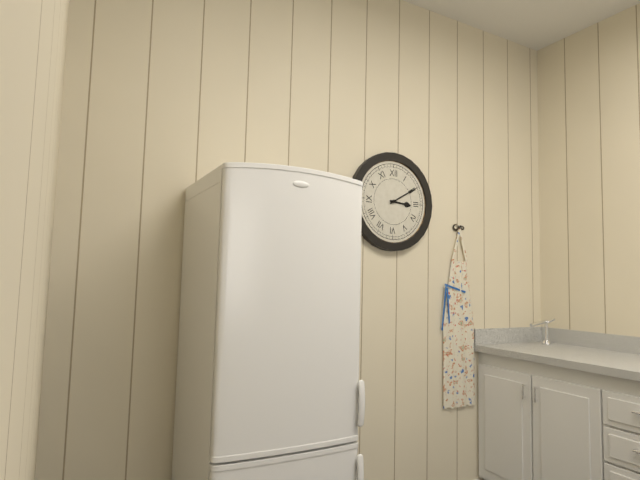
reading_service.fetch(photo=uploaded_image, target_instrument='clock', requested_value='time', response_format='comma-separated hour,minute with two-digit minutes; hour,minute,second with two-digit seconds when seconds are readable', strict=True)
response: 3,10
